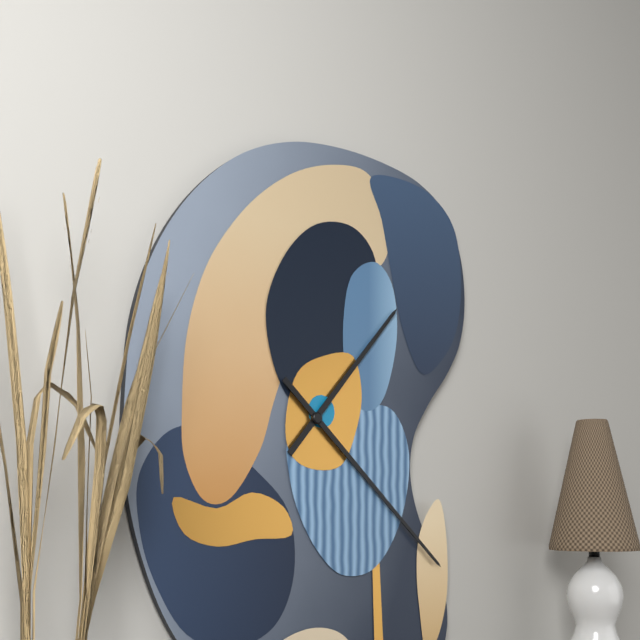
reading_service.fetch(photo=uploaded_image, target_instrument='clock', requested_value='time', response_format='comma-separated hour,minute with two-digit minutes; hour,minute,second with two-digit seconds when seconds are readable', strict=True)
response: 1,22
